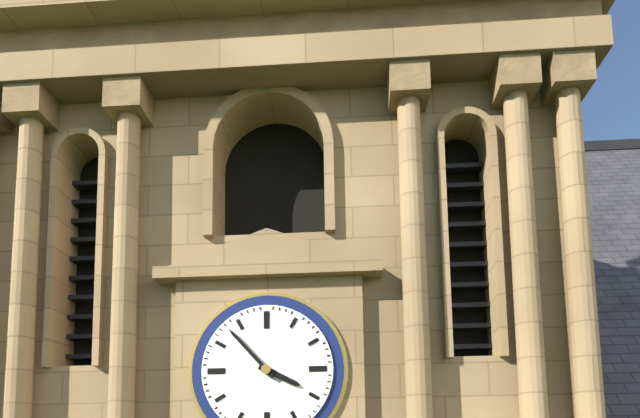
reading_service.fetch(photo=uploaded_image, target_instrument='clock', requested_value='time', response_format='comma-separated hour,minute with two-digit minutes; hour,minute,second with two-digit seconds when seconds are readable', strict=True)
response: 3,53
